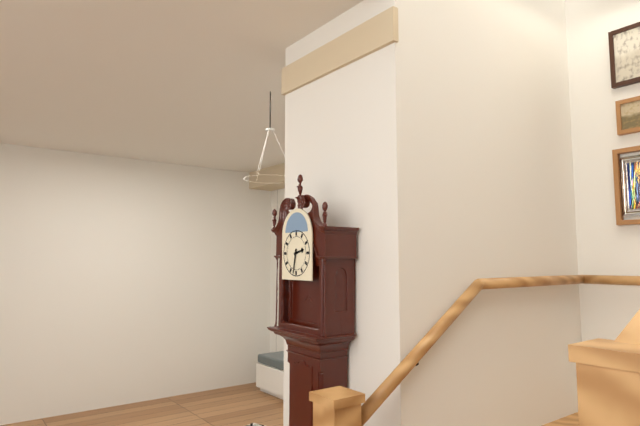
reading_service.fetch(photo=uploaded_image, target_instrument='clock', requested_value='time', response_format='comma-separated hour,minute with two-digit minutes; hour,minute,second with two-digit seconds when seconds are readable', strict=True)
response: 2,32
